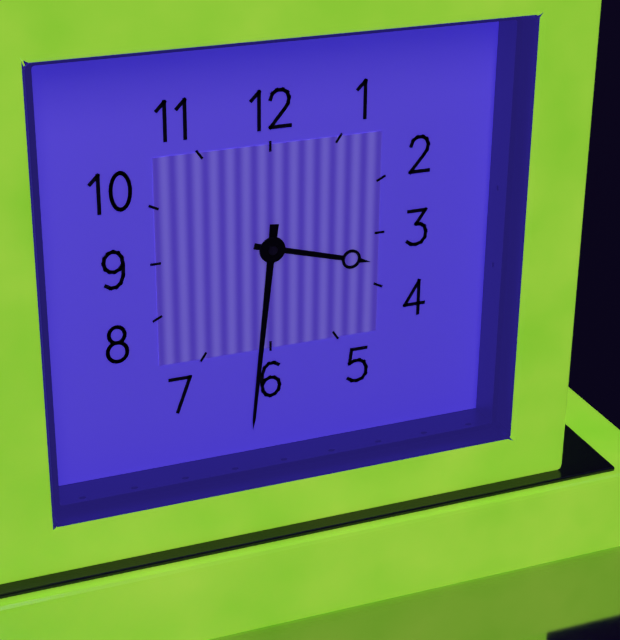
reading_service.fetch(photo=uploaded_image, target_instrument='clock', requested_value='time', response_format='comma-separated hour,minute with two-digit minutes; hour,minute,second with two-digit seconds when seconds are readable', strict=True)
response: 3,31
